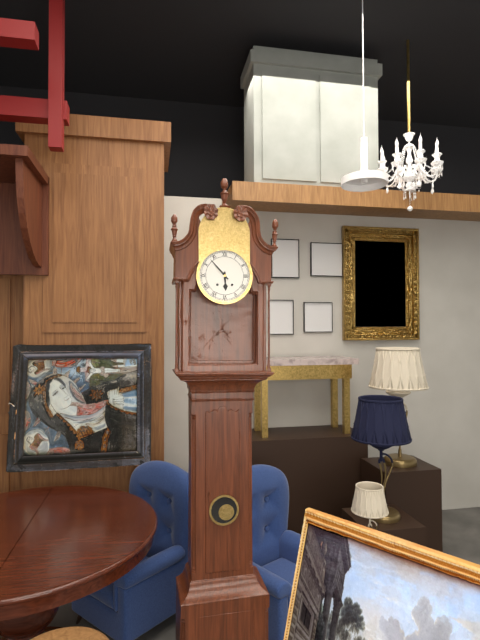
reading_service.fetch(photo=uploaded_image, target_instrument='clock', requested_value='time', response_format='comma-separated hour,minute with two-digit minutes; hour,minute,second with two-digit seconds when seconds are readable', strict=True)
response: 5,53
